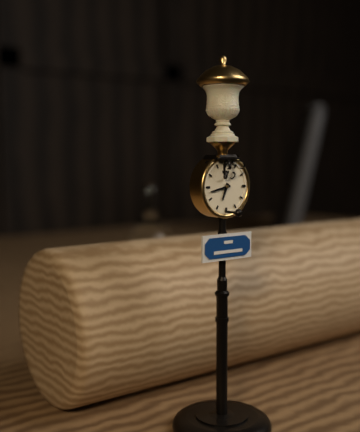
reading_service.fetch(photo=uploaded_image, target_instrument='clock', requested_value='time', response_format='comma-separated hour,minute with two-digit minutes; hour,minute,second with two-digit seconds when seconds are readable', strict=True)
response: 6,43
